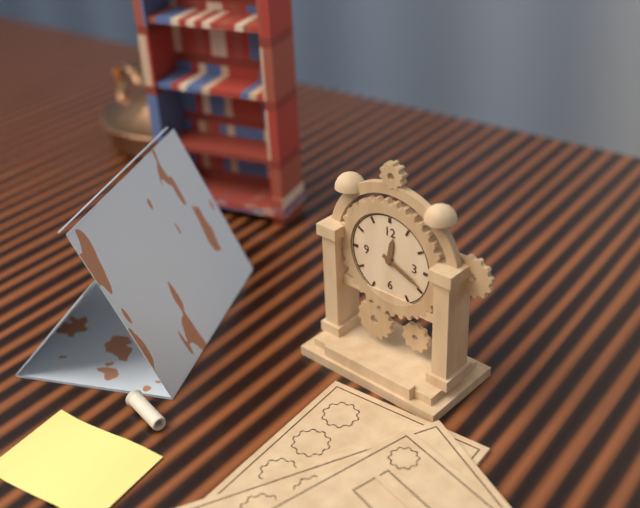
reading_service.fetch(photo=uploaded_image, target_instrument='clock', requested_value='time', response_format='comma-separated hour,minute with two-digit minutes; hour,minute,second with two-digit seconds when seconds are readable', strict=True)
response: 12,19
